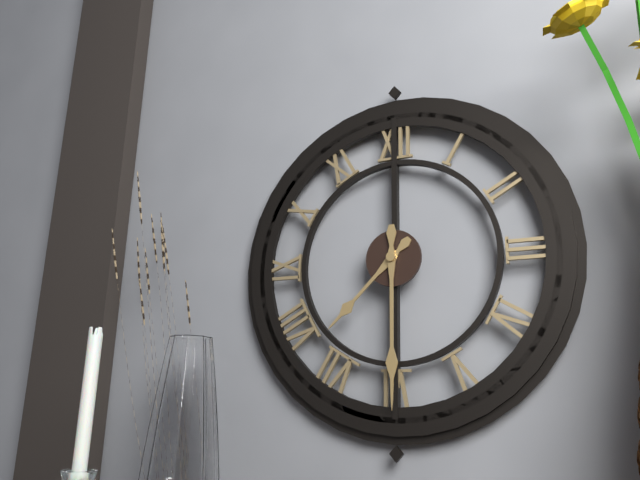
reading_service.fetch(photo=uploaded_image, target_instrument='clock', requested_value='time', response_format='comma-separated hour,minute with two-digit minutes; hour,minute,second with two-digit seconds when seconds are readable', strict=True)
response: 7,30
